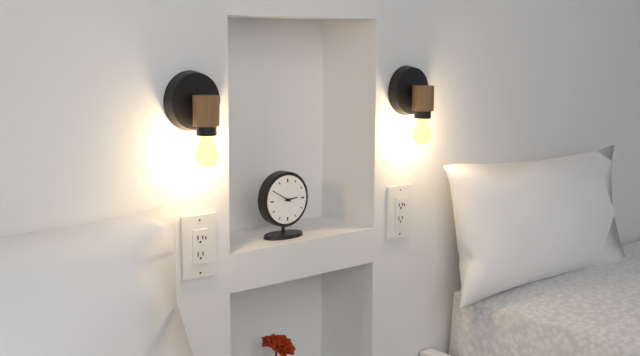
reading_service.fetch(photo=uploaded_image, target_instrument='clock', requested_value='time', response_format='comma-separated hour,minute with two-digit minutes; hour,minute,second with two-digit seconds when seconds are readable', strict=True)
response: 2,50
